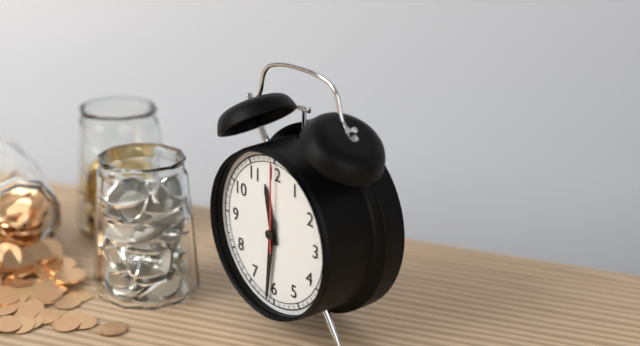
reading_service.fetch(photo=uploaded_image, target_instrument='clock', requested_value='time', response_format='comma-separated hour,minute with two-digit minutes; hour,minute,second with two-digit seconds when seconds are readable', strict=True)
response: 11,31,00
